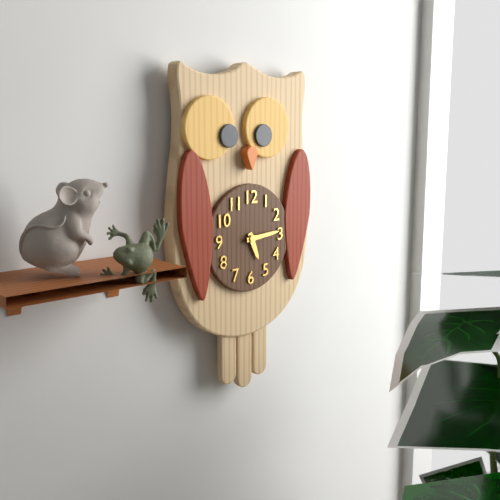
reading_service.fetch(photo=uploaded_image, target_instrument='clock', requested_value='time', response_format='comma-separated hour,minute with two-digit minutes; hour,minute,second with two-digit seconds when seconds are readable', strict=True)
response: 5,14
